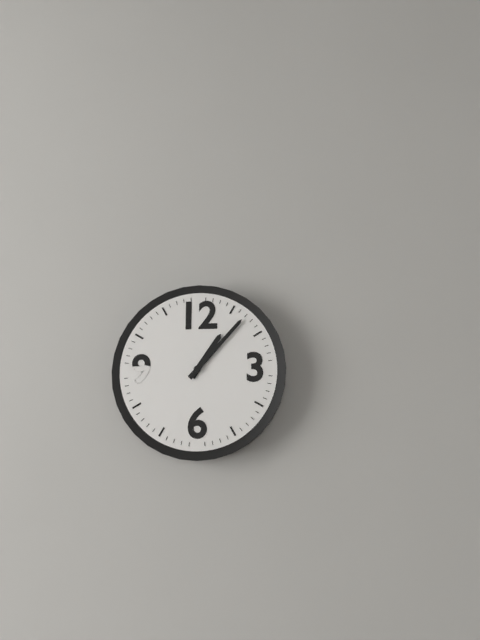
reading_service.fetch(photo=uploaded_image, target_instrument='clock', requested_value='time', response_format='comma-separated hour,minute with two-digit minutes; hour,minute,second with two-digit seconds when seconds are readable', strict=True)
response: 1,07
